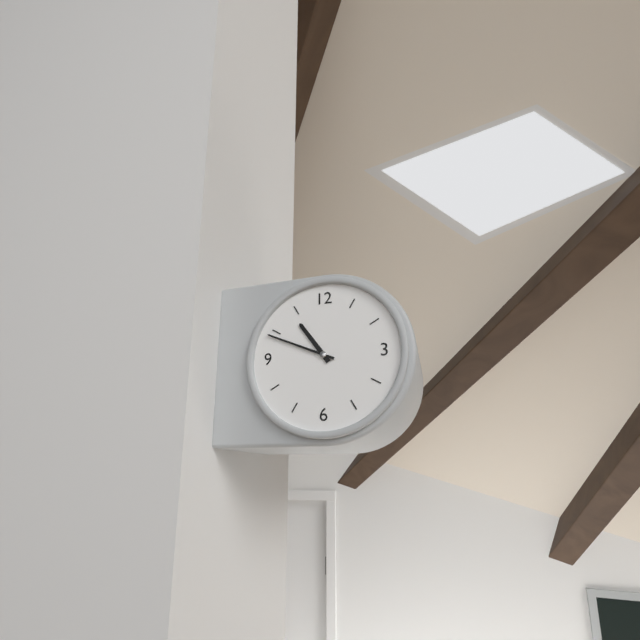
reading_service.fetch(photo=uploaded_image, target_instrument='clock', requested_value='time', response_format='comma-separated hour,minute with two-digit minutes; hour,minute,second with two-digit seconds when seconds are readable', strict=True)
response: 10,49
